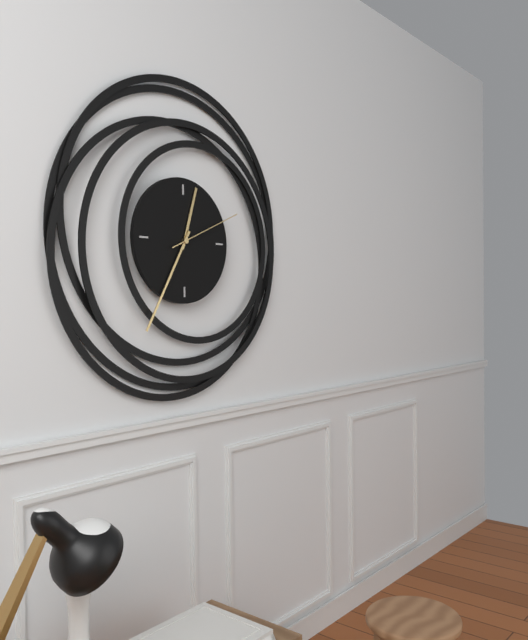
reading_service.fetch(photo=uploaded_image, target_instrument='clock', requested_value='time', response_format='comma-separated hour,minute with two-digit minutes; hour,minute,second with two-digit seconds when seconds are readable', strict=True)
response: 12,35,11
